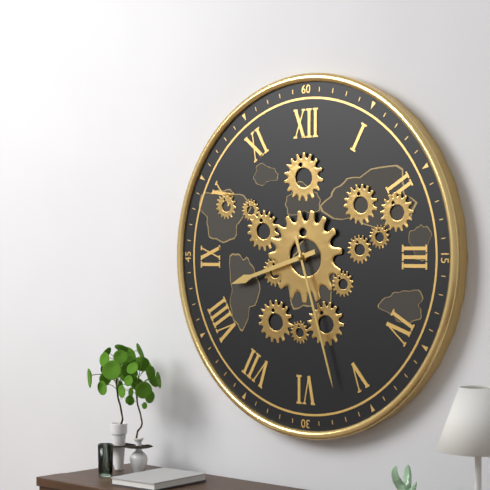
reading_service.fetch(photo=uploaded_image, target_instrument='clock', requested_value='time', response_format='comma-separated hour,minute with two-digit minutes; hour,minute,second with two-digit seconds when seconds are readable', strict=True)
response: 8,27
